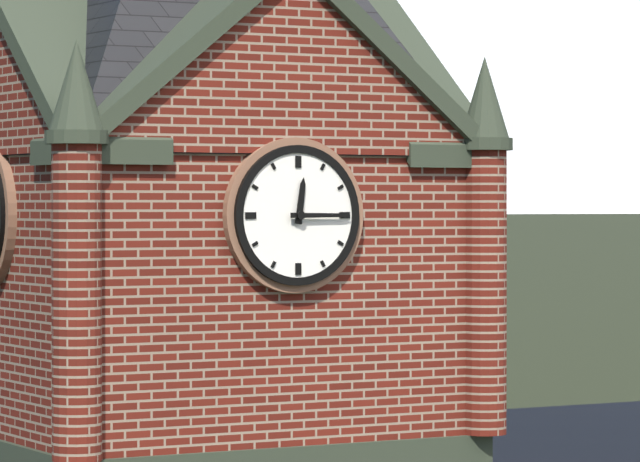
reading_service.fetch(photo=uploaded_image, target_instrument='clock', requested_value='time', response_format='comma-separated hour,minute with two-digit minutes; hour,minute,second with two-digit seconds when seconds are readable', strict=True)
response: 12,15
